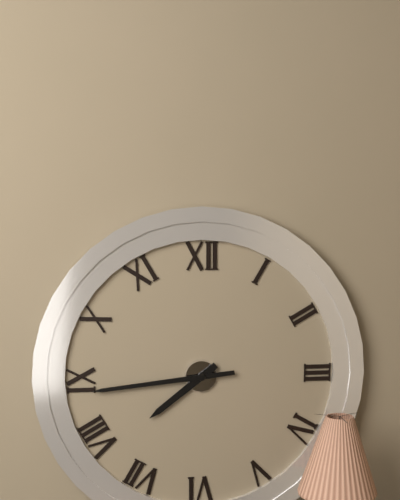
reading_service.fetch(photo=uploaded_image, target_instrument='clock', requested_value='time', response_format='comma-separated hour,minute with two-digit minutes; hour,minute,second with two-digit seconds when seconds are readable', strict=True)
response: 7,44
